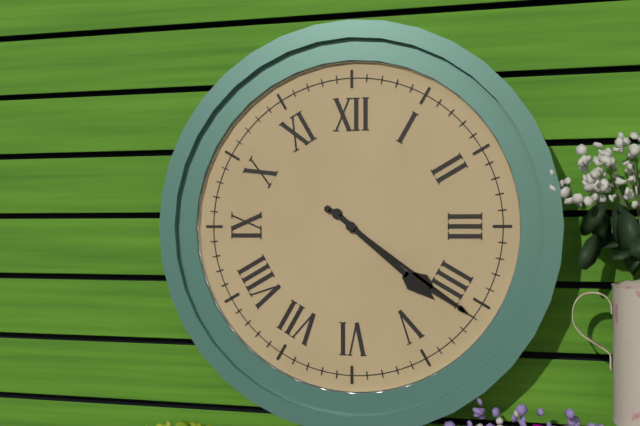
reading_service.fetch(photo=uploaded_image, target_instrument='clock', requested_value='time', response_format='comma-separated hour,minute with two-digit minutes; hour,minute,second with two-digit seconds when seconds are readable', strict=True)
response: 4,21
